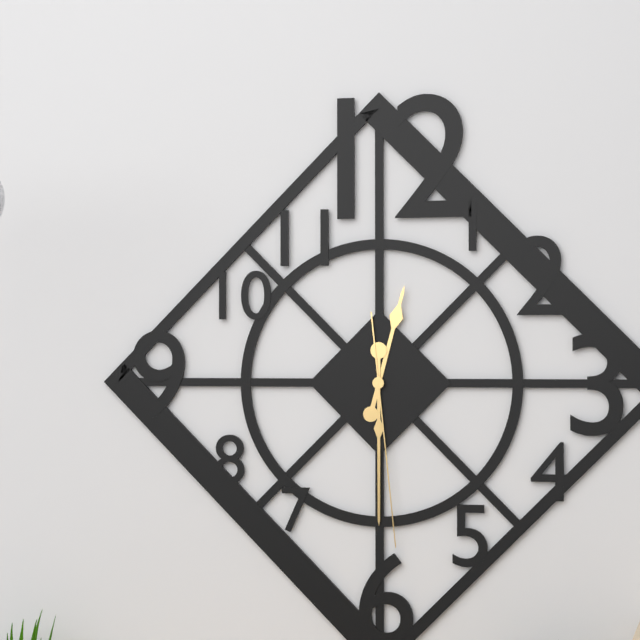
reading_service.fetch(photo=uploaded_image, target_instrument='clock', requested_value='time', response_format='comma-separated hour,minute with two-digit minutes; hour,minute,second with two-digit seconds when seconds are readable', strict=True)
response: 12,30,29
